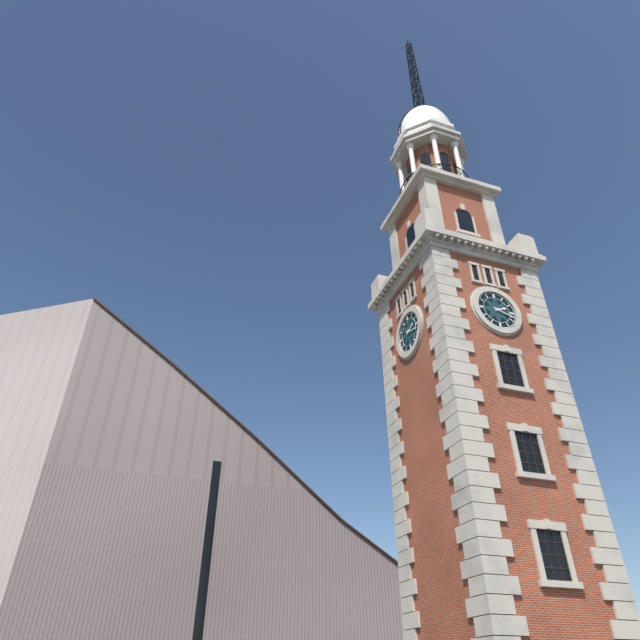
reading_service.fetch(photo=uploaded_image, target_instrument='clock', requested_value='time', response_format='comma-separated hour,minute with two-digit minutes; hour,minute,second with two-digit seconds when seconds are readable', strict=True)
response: 2,18
